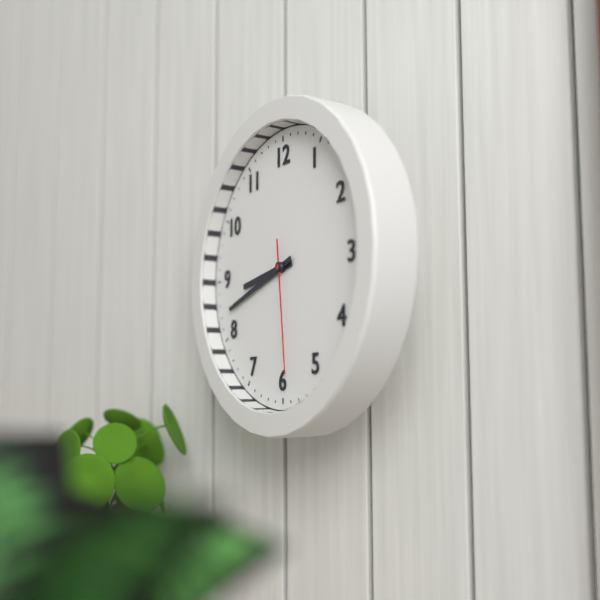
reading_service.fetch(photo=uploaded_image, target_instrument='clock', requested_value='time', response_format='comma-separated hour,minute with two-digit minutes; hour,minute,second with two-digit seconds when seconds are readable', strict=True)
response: 8,42,29
